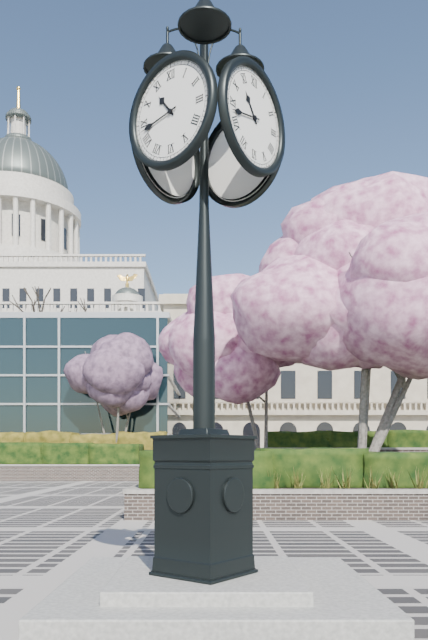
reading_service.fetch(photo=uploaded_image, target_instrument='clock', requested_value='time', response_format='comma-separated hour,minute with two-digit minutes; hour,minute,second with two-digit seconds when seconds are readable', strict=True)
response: 10,43
